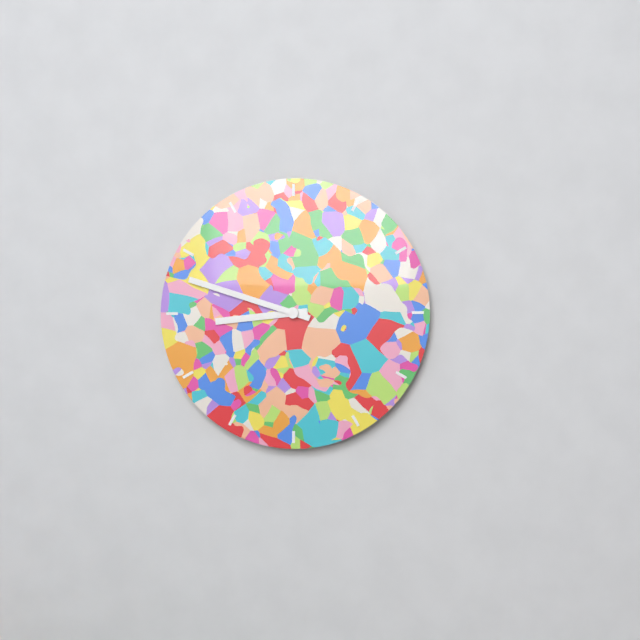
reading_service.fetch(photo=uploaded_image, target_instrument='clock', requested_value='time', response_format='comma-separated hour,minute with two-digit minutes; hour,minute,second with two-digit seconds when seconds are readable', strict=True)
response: 8,48
